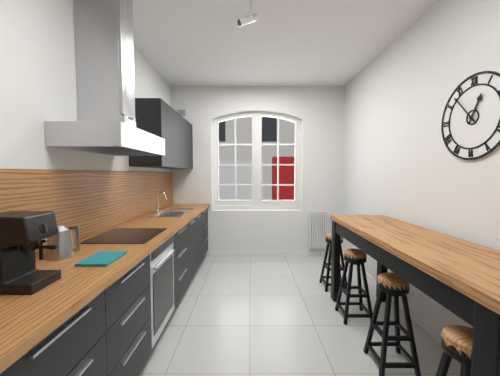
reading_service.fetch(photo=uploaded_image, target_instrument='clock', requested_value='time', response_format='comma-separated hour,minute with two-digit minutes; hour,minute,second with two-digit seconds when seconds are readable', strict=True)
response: 12,53
